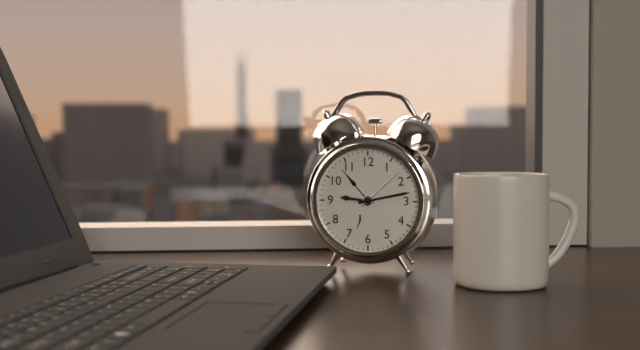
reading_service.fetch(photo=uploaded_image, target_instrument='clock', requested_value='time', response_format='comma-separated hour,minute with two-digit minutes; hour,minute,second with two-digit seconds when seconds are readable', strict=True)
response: 9,13
